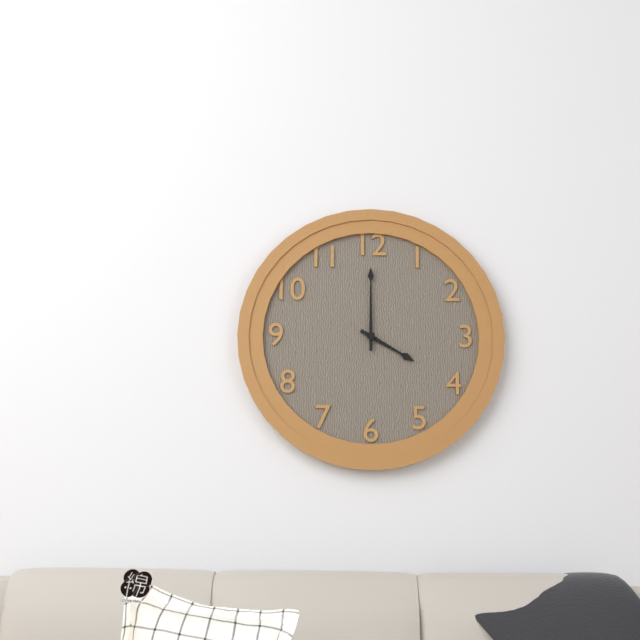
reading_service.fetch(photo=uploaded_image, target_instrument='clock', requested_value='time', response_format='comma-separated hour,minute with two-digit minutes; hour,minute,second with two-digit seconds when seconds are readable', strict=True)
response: 4,00
